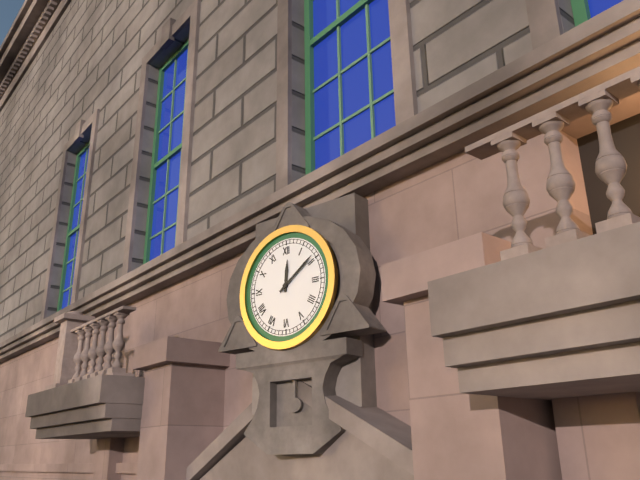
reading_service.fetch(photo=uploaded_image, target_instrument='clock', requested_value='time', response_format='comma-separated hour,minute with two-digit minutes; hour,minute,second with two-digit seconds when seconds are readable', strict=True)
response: 12,09
